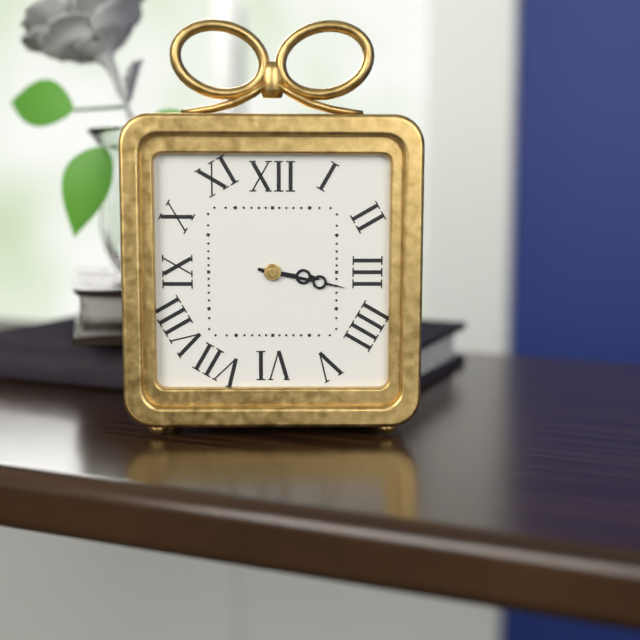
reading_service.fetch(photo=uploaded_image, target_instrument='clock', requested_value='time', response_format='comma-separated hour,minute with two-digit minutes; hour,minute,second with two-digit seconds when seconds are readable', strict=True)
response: 3,17
